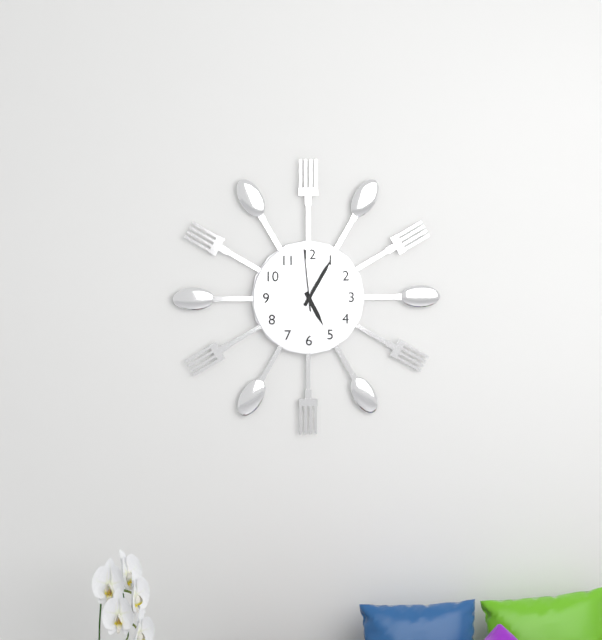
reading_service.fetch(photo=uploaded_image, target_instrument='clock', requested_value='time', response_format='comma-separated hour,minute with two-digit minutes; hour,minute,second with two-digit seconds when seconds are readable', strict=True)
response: 5,05,59
